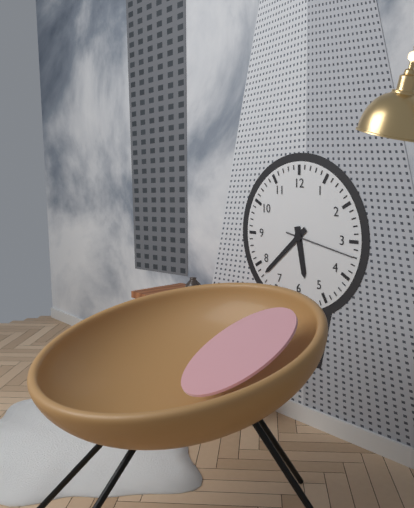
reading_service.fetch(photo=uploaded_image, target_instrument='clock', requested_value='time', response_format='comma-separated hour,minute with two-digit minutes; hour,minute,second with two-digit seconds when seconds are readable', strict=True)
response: 5,38,17
